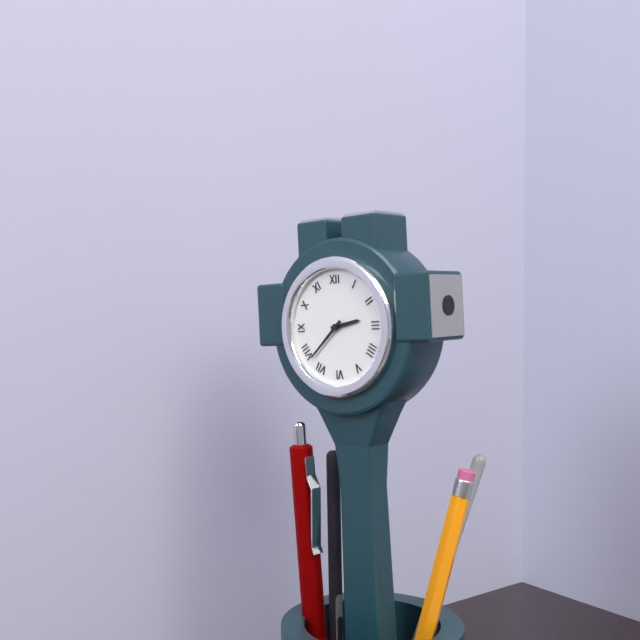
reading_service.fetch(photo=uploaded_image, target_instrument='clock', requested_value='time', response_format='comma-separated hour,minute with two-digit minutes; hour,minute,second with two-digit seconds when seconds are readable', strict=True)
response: 2,38
